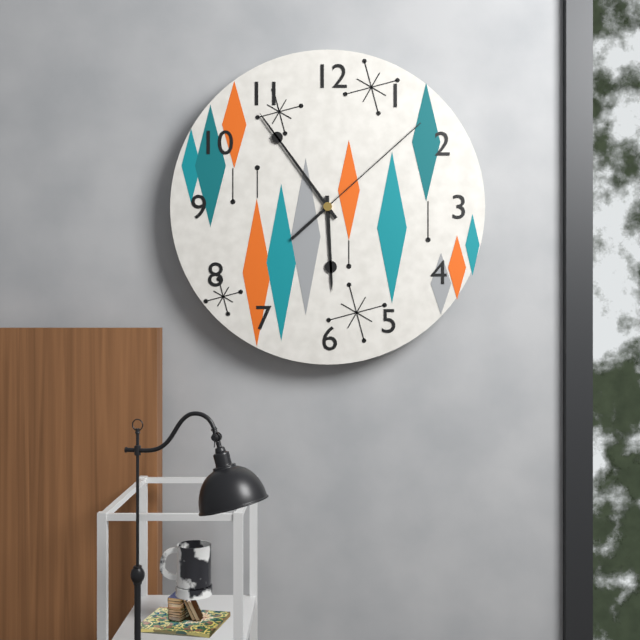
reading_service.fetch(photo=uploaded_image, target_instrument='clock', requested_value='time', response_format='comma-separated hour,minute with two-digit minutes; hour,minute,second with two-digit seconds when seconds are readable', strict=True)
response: 5,54,08
